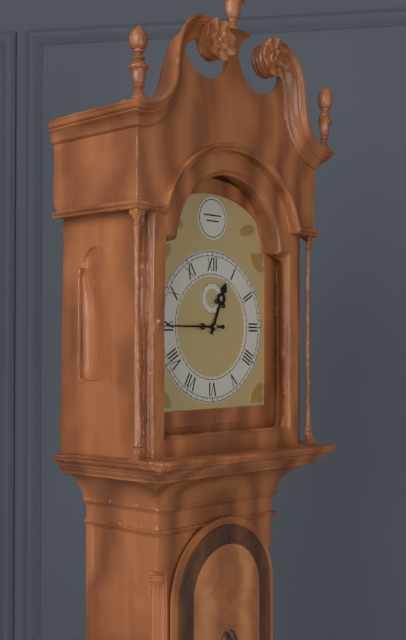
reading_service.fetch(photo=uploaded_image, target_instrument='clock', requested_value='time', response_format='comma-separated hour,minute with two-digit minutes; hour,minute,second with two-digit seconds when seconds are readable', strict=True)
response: 12,45
